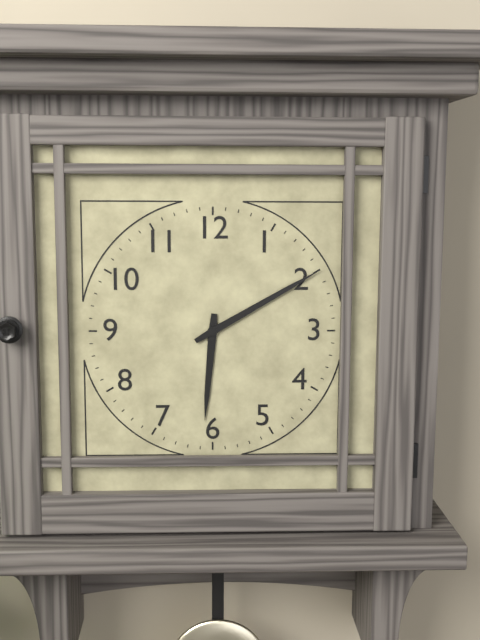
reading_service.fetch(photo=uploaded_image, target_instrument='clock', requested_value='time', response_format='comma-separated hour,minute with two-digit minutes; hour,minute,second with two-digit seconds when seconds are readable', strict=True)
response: 6,10
